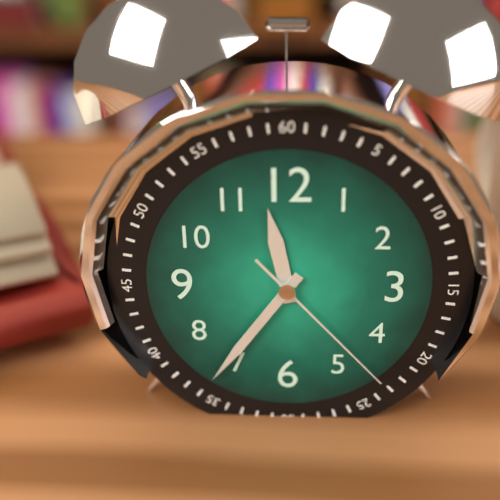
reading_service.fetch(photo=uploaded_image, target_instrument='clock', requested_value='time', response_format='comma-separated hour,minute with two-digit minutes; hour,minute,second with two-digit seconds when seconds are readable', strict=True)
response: 11,36,23
